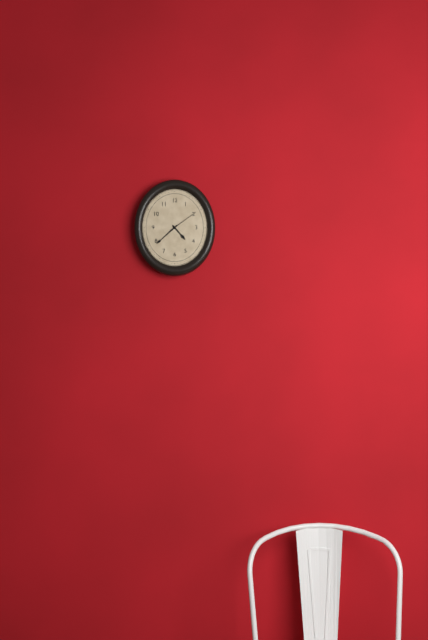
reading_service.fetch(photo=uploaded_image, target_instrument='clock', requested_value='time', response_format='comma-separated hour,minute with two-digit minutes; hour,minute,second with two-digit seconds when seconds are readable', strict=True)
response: 4,38
